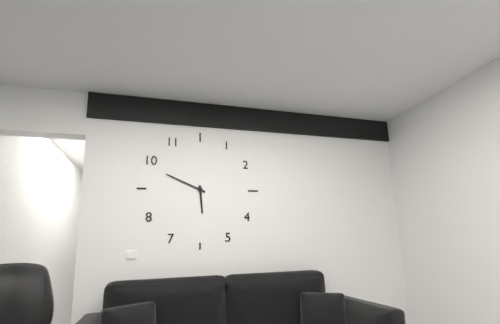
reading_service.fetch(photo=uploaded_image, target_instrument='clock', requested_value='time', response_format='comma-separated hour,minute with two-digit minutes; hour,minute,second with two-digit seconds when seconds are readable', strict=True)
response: 5,49
